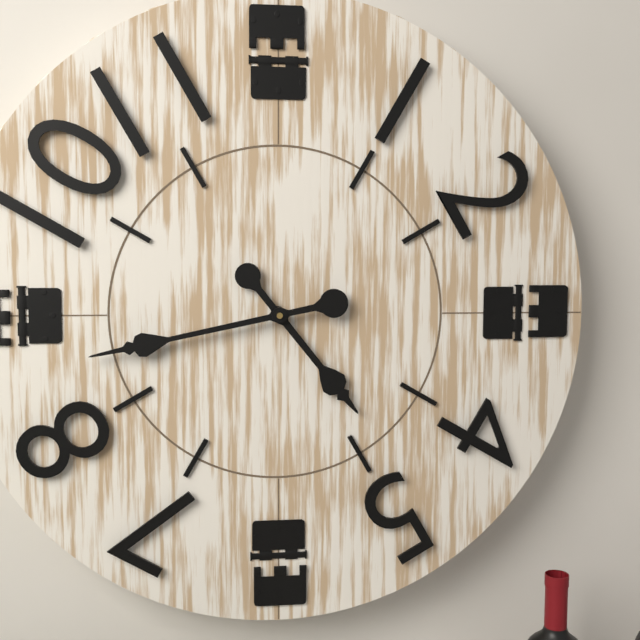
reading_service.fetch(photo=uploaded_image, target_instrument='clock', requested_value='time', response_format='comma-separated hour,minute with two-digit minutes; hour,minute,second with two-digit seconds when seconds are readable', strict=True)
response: 4,43
